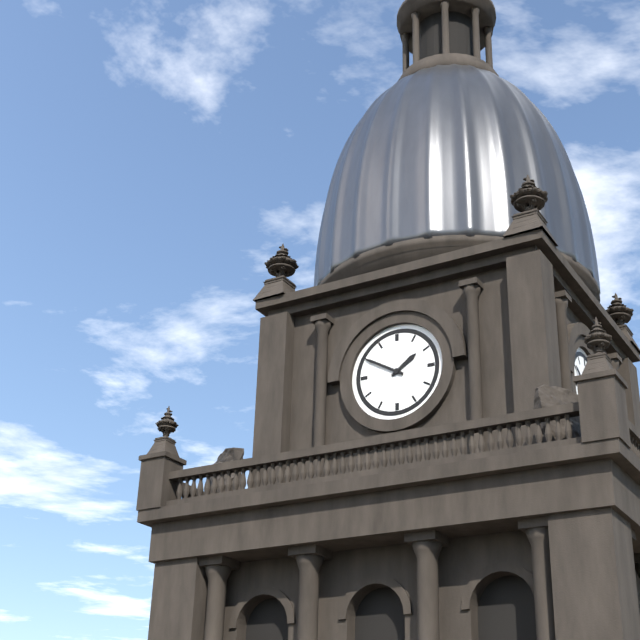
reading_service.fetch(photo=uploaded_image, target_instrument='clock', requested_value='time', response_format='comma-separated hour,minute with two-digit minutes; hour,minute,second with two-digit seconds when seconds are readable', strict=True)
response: 1,50
